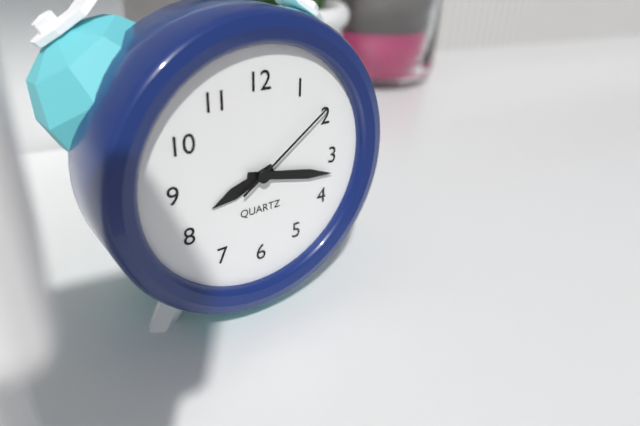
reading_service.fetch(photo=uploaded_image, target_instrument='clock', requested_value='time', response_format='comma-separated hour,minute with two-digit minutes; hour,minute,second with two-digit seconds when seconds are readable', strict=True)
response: 8,17,09
